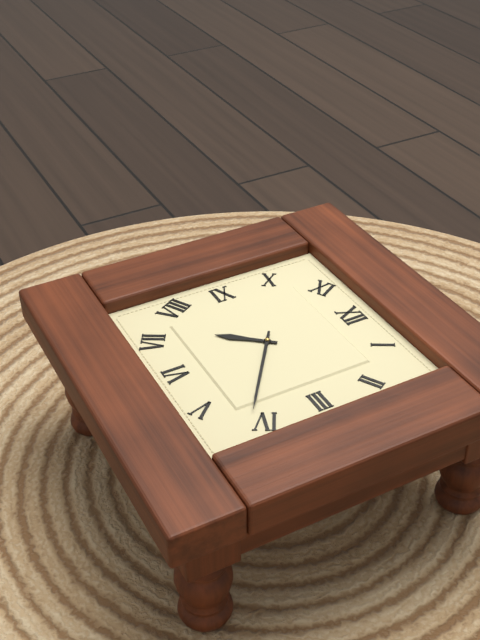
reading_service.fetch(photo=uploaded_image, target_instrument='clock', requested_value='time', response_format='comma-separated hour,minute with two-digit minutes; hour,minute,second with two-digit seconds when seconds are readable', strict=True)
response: 7,21
